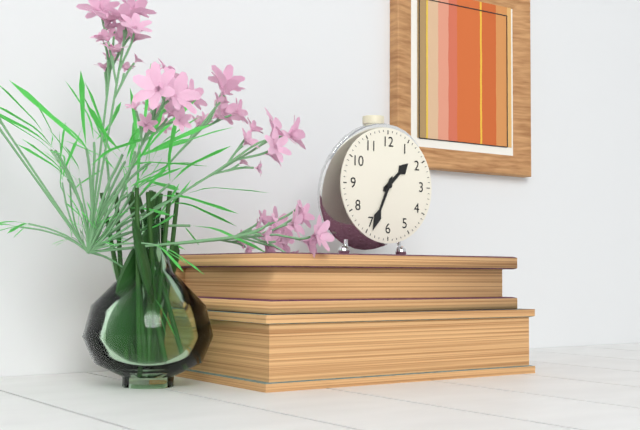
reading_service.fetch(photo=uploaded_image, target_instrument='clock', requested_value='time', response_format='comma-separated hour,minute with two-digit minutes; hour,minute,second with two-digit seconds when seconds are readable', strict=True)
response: 1,34
